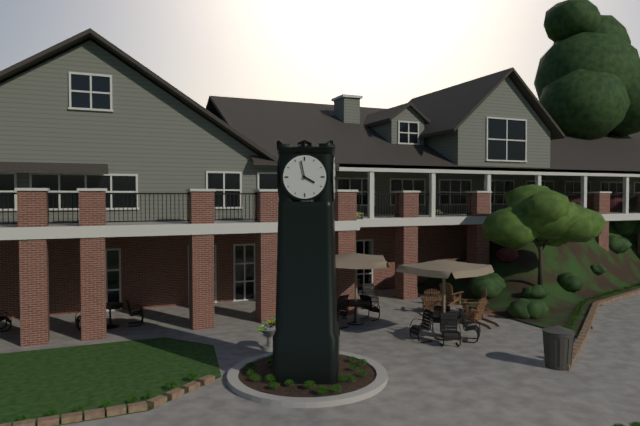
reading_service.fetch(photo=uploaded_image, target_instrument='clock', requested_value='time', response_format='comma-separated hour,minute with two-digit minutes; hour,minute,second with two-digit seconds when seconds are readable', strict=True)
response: 3,58
